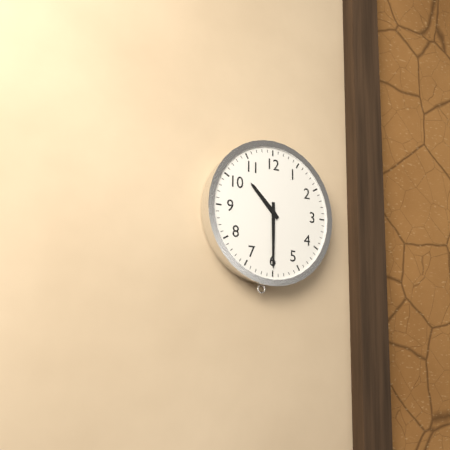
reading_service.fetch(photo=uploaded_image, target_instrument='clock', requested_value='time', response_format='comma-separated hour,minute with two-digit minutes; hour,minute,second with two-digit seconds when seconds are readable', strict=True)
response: 10,30
